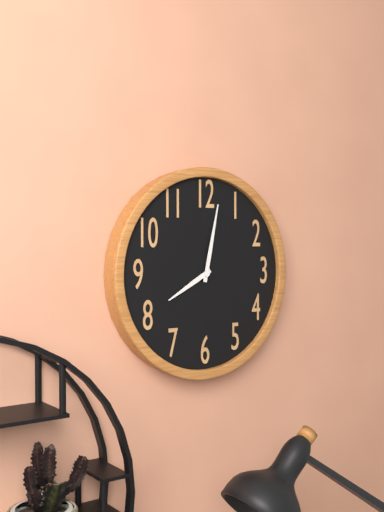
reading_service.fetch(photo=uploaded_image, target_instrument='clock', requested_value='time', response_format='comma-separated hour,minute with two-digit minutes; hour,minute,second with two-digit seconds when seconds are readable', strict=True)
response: 8,02
